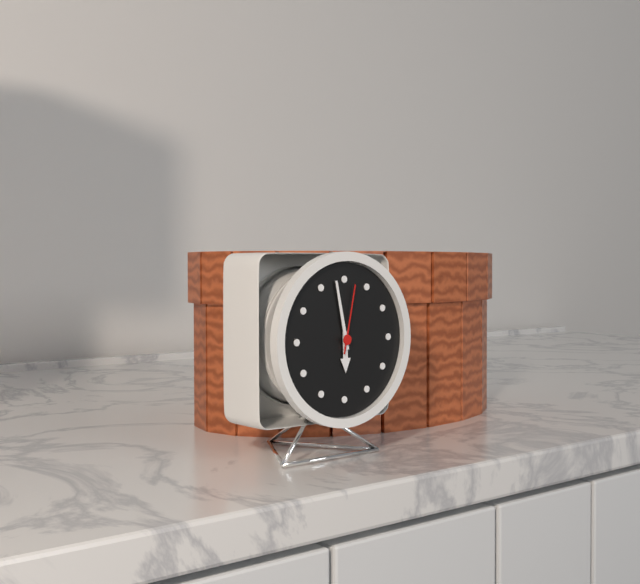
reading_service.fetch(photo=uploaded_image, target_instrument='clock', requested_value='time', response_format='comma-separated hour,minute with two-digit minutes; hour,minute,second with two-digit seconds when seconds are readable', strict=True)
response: 5,58,02
